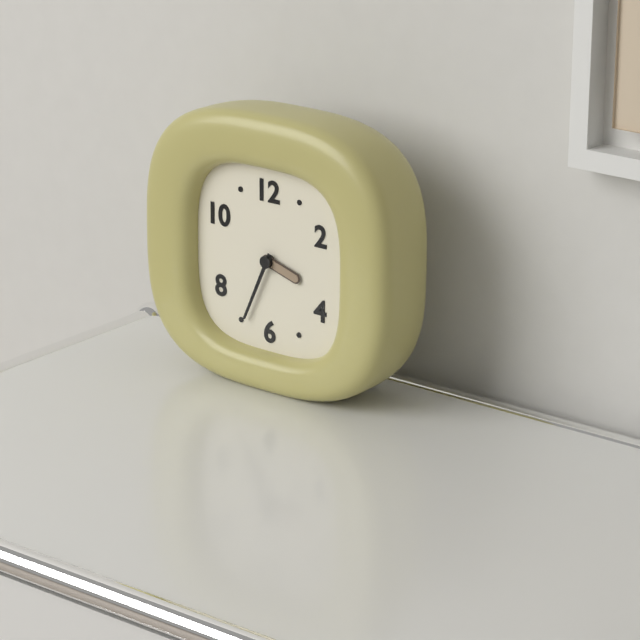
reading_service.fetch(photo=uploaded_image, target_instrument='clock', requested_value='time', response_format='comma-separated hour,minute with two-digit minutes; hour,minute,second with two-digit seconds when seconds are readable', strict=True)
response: 3,34
